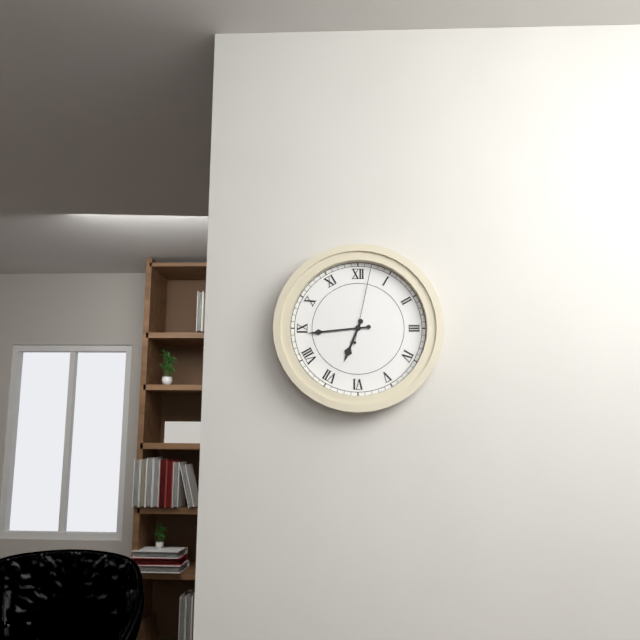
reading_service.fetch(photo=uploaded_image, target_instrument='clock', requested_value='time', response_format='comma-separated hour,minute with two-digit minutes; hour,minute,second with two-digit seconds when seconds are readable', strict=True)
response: 6,44,02
